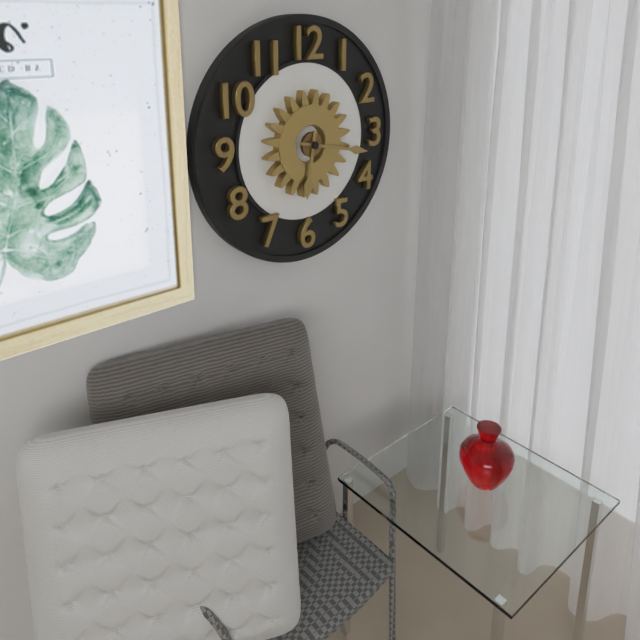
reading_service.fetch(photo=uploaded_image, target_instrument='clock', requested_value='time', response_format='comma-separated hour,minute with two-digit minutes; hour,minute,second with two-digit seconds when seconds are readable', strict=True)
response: 6,17
